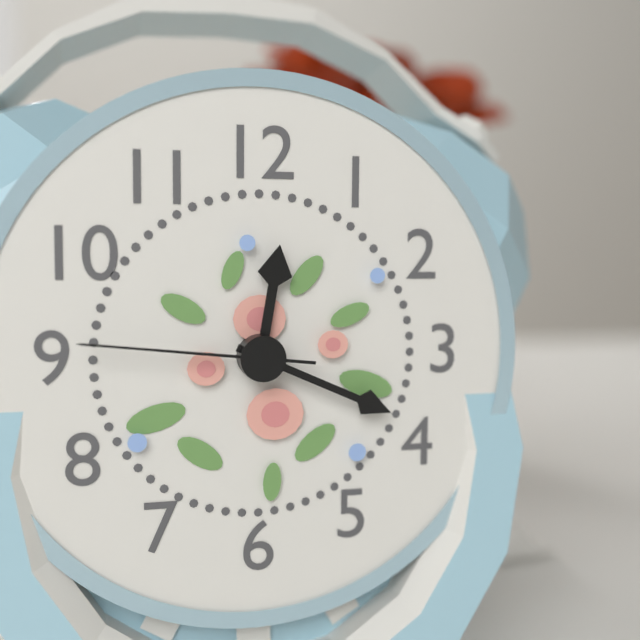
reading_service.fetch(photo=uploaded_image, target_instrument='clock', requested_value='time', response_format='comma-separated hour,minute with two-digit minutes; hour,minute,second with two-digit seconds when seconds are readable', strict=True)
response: 12,19,46
